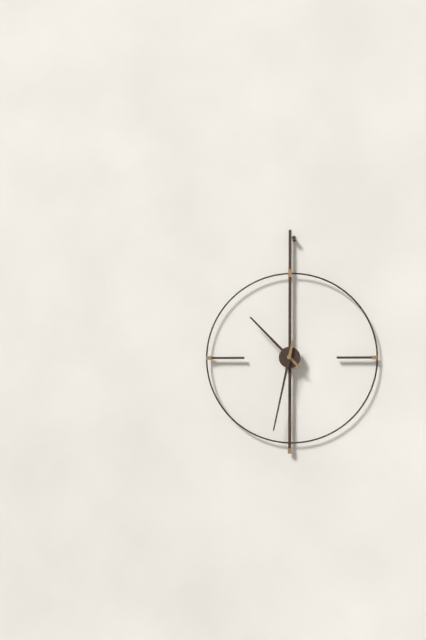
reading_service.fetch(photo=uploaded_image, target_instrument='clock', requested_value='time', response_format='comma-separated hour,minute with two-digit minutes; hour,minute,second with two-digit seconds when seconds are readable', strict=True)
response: 10,32
